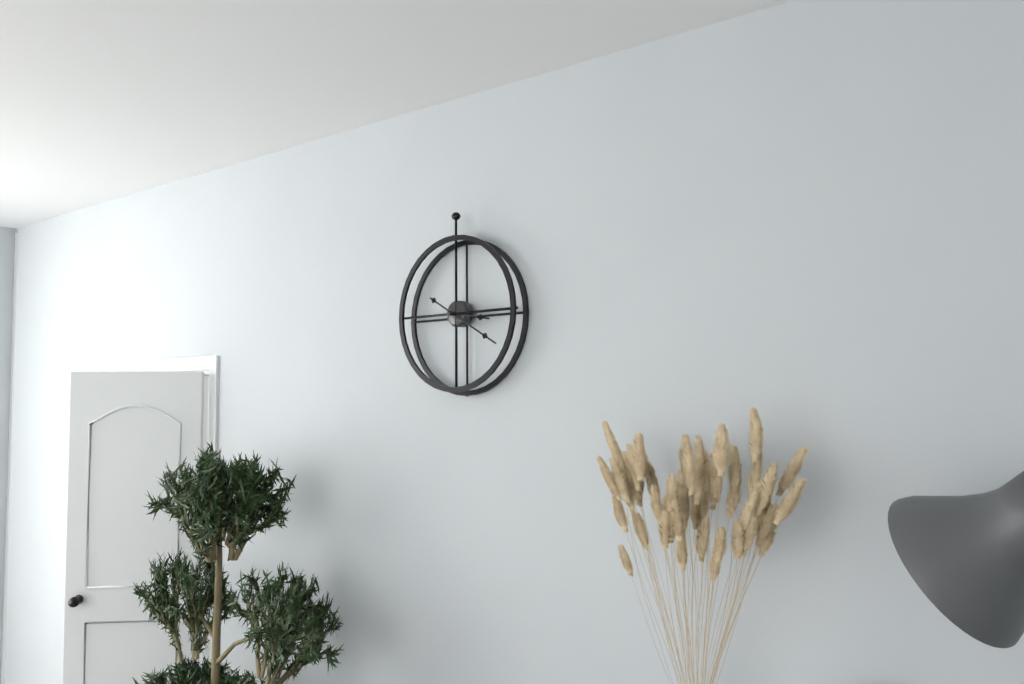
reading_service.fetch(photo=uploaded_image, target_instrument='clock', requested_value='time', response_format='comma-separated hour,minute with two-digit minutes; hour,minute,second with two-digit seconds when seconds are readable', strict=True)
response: 3,20
